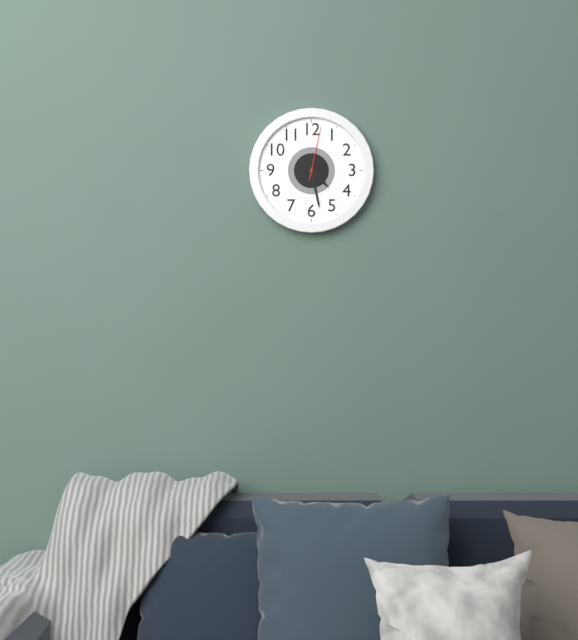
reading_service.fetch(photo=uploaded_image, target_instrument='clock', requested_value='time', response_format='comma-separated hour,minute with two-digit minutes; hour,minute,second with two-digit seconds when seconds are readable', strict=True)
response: 4,28,02
